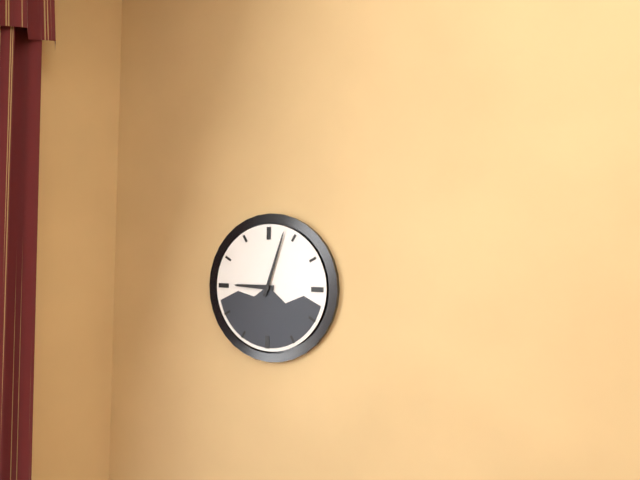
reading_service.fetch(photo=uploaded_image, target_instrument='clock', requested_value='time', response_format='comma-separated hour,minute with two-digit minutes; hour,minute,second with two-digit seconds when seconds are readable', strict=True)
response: 9,03
